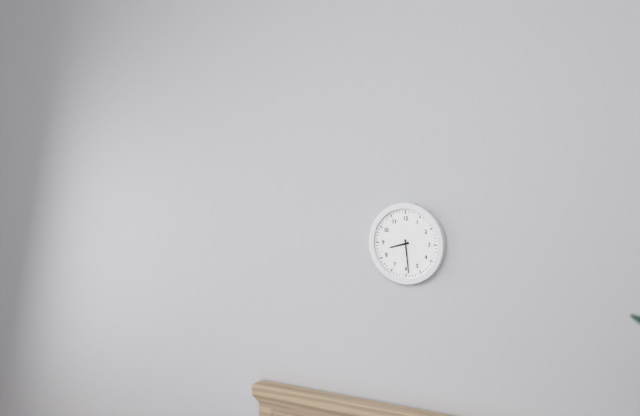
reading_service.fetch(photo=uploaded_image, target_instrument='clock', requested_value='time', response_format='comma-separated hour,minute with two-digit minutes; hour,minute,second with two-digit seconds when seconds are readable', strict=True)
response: 8,29
